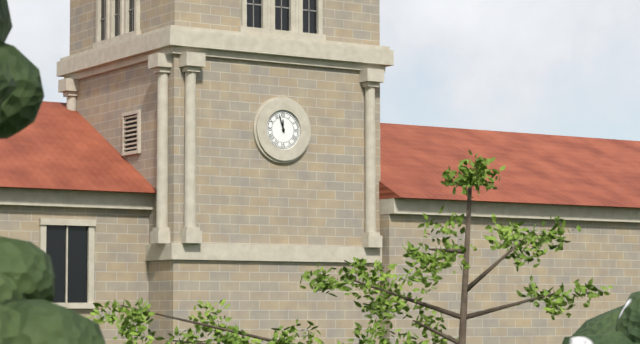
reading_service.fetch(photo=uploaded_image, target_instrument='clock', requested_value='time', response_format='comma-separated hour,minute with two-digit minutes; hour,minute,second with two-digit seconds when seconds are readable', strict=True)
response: 11,57
